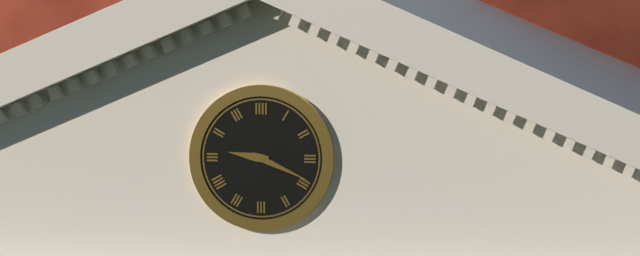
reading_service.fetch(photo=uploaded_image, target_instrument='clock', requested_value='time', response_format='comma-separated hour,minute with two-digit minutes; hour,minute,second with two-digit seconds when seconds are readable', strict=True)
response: 9,19
